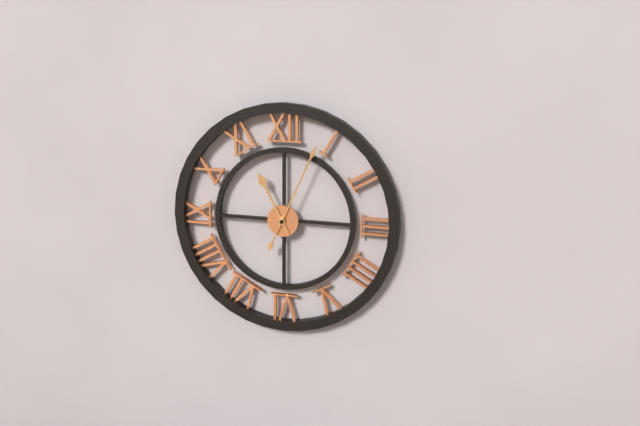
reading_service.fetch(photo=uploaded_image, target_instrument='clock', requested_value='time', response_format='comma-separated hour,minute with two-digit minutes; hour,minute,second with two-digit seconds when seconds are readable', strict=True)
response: 11,04
